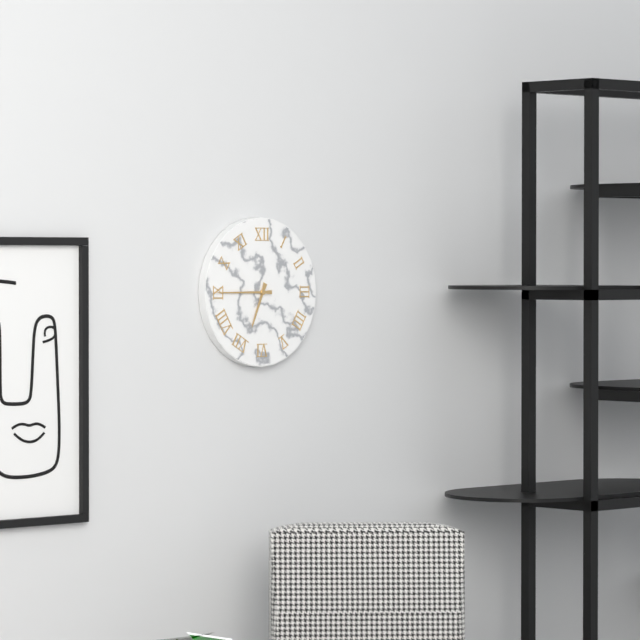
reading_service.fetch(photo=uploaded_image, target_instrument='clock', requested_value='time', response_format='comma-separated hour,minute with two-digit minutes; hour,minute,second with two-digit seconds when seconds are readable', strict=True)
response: 6,45
